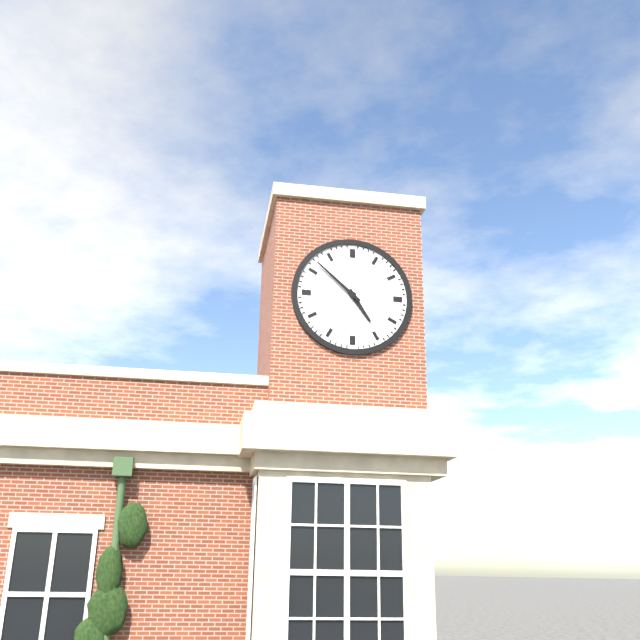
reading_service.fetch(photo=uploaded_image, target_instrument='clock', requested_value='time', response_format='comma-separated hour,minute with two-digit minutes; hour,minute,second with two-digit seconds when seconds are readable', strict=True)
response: 4,52
